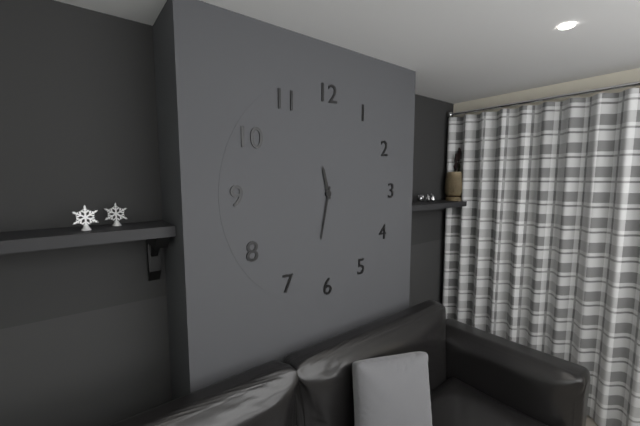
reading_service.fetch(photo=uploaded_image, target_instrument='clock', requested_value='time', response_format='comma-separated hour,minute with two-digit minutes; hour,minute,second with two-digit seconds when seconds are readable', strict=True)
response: 11,32
